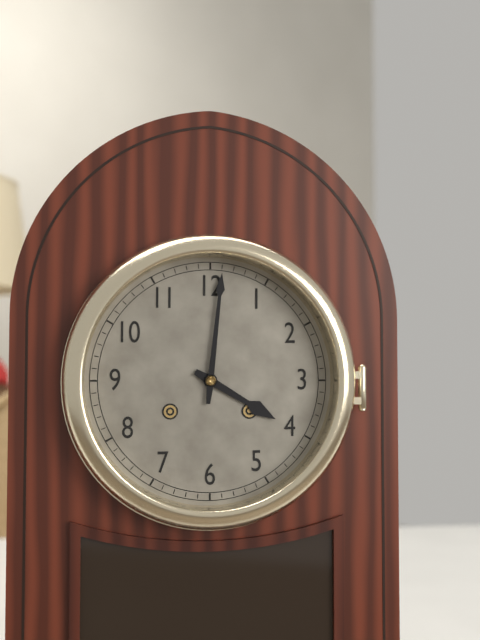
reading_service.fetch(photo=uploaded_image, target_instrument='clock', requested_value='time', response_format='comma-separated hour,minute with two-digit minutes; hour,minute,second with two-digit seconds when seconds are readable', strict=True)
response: 4,01
